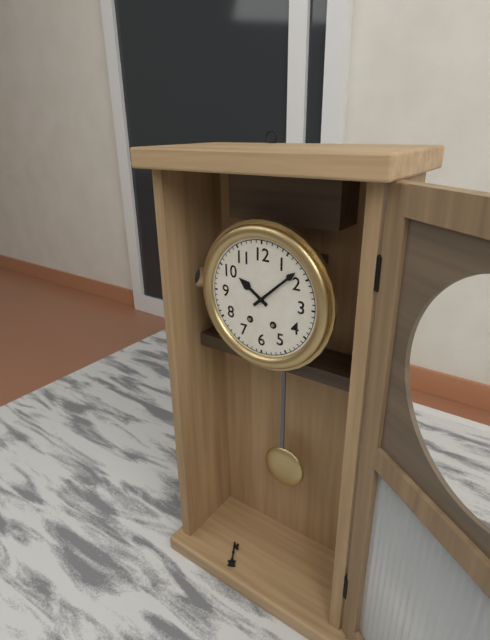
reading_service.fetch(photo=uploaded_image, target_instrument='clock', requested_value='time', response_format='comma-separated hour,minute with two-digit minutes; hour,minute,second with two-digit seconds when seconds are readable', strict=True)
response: 10,08
